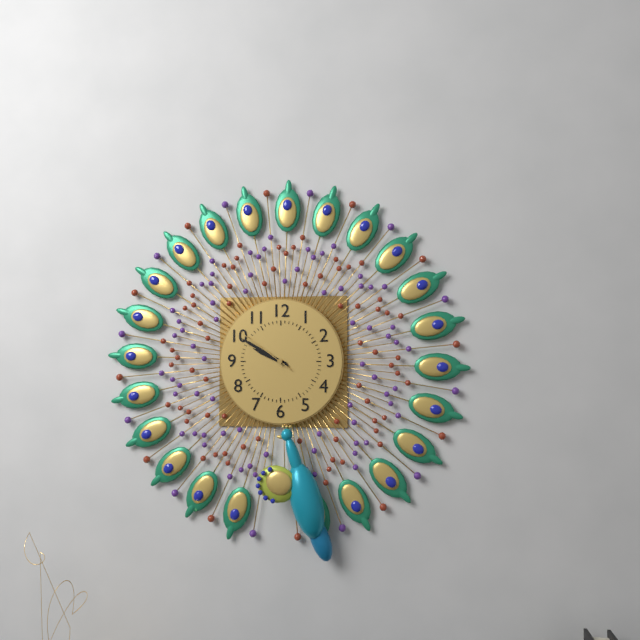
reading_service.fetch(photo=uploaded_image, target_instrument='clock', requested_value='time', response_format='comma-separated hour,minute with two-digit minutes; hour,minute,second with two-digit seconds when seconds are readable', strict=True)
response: 9,50,51
